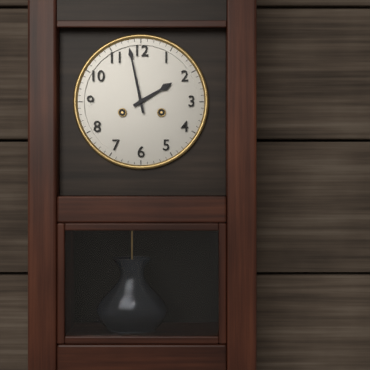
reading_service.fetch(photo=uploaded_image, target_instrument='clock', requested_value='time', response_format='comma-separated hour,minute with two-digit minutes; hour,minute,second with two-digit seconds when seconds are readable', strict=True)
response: 1,58
